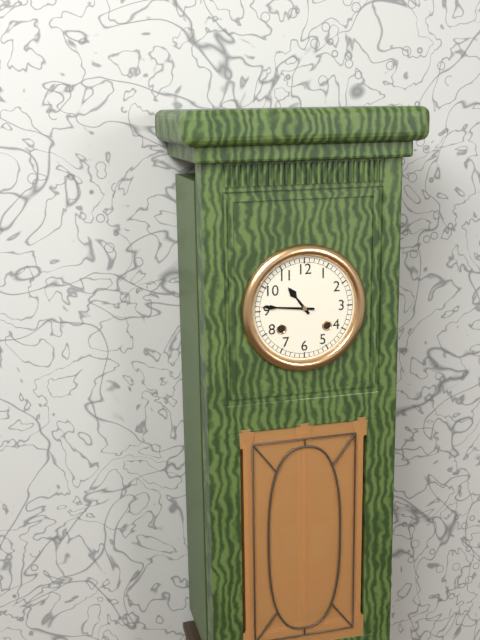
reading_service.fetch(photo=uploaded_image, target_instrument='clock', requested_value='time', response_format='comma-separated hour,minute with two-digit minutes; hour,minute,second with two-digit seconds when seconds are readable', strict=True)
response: 10,46
